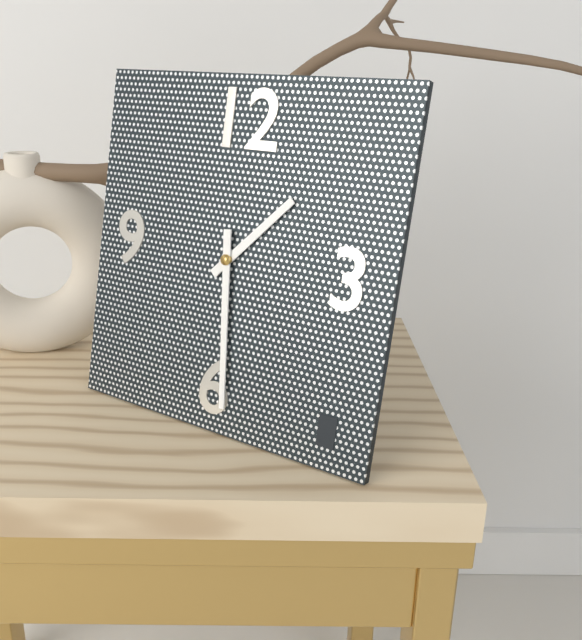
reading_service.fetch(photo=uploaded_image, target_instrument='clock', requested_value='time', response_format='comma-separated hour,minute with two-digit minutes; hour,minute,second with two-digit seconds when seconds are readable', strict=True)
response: 1,29
